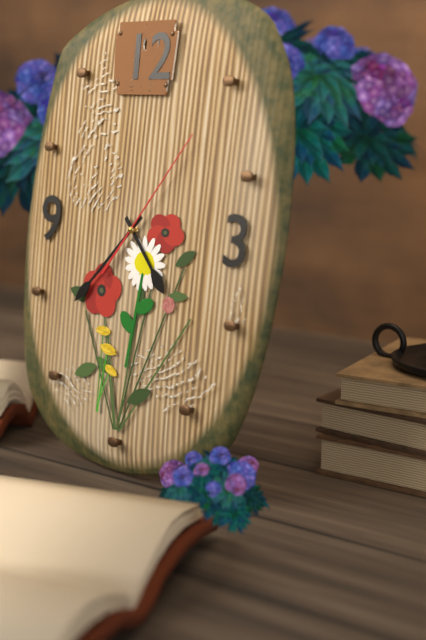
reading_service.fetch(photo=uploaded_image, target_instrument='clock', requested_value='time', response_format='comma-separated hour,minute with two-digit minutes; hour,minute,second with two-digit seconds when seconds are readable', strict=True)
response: 4,37,06
